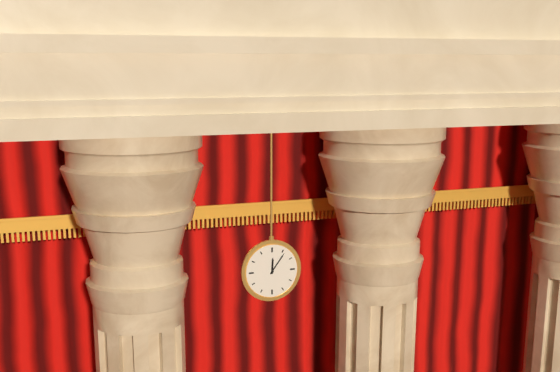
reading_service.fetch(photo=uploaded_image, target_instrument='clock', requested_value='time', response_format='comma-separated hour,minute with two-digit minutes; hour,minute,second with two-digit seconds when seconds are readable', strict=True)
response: 12,06
